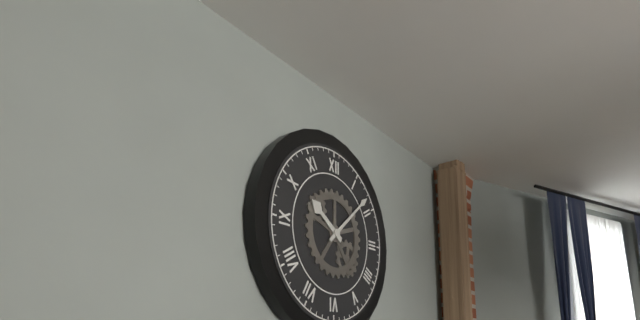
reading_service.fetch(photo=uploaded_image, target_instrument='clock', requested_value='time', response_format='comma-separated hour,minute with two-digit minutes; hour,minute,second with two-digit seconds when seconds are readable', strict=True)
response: 10,08
